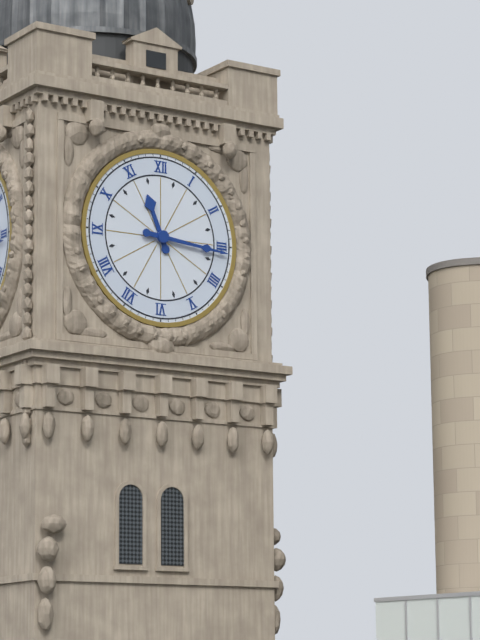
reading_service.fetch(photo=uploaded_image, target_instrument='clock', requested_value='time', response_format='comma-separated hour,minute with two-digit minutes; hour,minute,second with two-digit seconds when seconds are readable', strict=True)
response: 11,16
